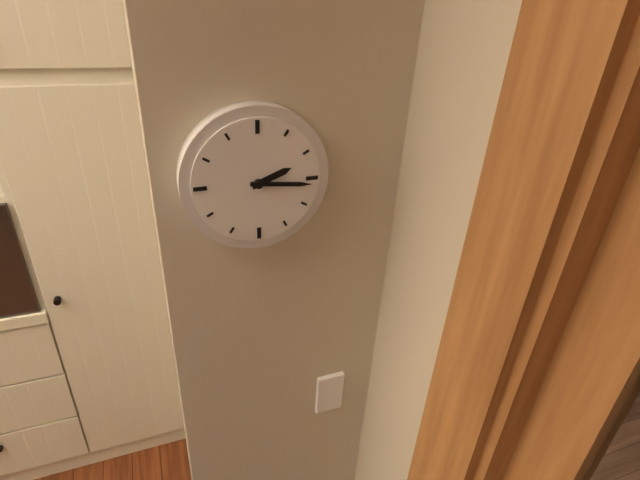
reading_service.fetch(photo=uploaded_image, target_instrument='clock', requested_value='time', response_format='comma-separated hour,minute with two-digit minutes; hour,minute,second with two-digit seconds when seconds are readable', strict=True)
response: 2,16
